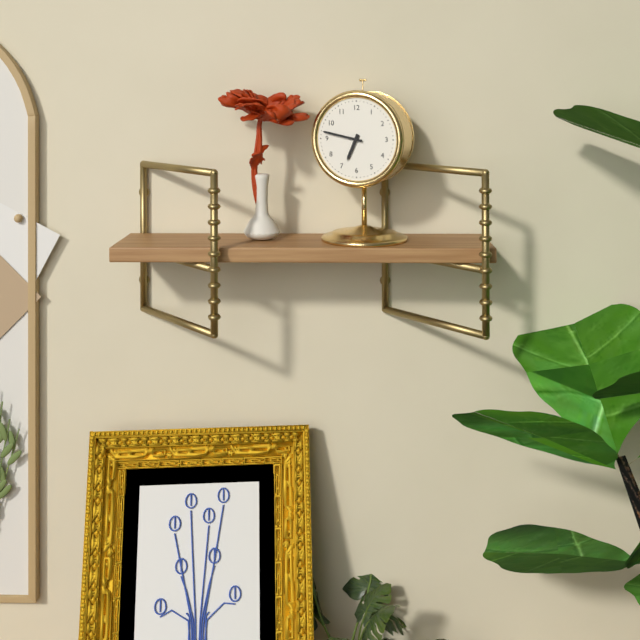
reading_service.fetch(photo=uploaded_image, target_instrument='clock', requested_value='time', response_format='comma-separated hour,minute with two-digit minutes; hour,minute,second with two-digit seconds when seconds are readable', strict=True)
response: 6,47
